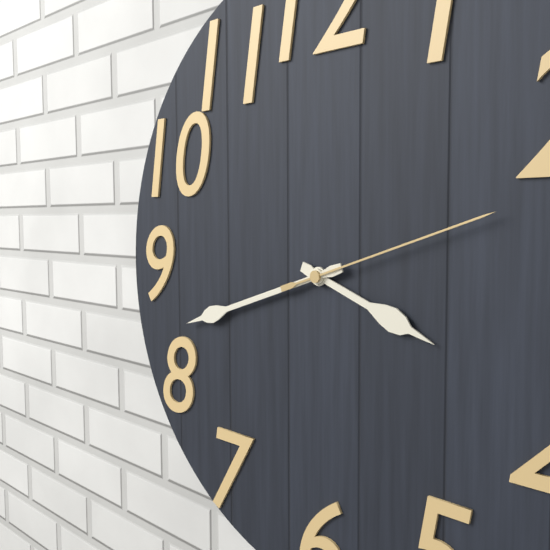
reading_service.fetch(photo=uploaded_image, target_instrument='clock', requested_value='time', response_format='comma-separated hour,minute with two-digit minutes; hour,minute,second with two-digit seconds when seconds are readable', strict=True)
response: 3,42,12
